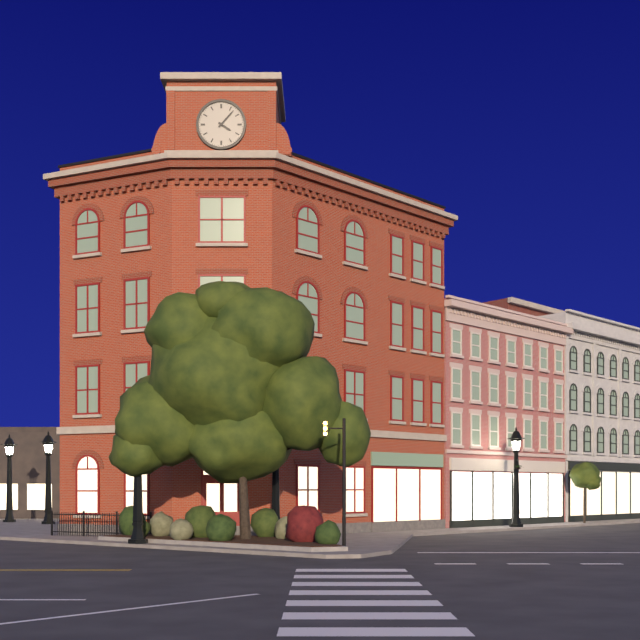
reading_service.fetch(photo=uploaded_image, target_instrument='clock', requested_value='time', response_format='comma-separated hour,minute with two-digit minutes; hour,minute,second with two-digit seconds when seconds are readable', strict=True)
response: 4,07
